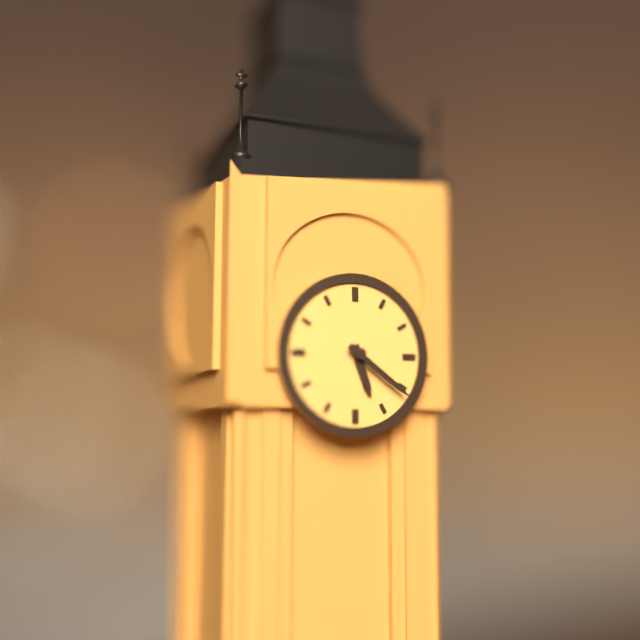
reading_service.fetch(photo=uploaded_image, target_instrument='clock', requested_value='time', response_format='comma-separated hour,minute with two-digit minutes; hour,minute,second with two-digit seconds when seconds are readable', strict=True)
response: 5,21
